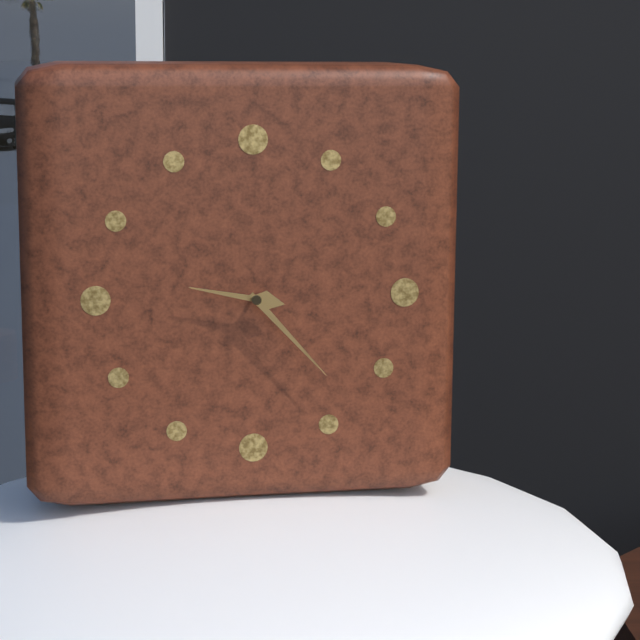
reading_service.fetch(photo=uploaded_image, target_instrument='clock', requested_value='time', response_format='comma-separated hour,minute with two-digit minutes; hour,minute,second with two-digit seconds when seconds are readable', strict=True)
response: 9,23
